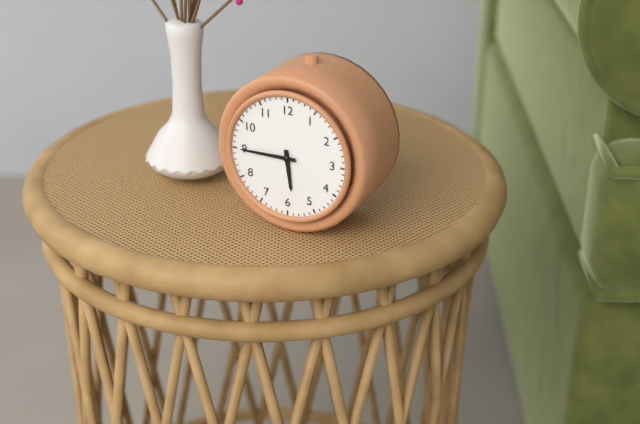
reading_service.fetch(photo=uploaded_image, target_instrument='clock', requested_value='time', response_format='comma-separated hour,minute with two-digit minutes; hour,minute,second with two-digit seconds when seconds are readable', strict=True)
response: 5,45
